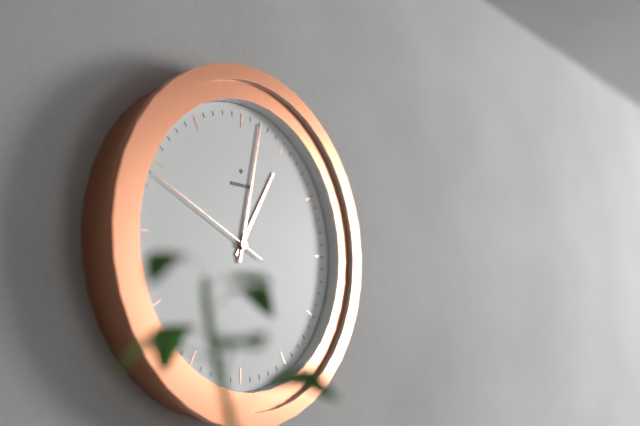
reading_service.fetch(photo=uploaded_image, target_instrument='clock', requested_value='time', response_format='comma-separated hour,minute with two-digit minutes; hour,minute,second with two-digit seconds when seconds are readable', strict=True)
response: 1,02,49
